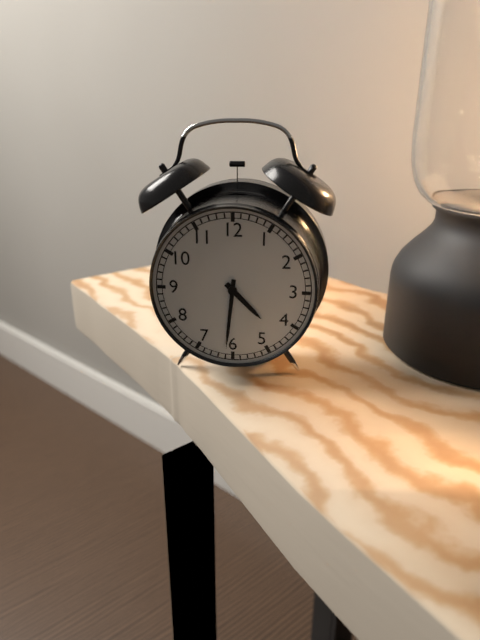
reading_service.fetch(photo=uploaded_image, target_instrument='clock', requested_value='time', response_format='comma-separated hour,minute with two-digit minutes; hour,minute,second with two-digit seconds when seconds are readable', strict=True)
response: 4,31
